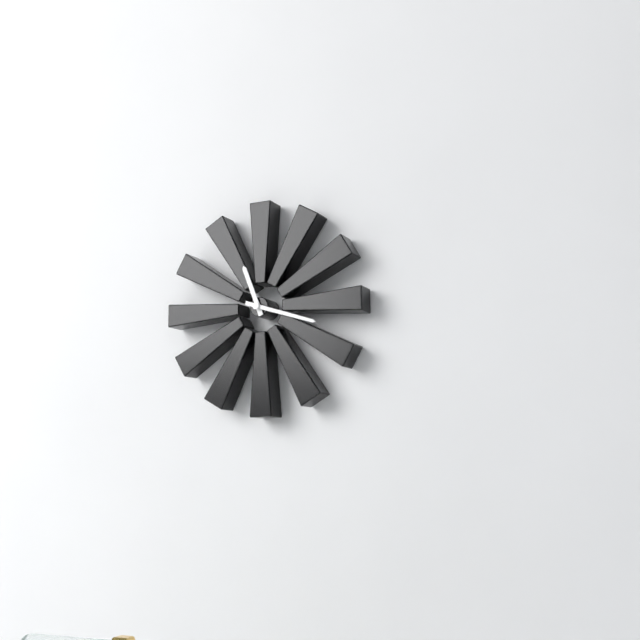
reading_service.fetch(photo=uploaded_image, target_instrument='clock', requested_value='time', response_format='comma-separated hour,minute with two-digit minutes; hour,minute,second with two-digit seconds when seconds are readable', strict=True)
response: 11,18
